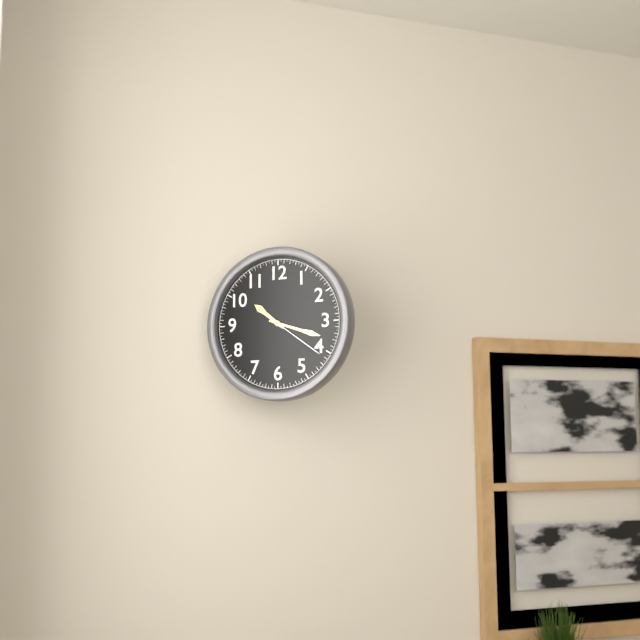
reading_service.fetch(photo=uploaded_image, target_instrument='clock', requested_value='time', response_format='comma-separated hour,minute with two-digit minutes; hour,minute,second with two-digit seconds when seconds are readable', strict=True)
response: 10,18,21
